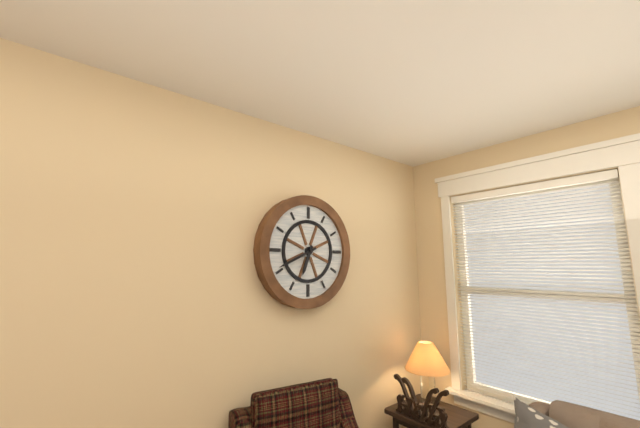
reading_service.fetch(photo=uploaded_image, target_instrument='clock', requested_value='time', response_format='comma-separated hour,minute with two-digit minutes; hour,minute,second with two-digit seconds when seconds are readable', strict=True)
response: 6,41
